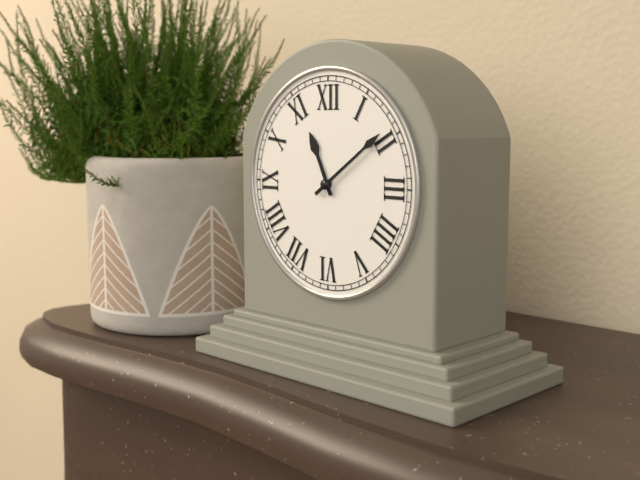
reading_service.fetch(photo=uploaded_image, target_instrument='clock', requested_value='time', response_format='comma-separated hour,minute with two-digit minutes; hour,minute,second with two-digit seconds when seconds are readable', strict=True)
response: 11,09
